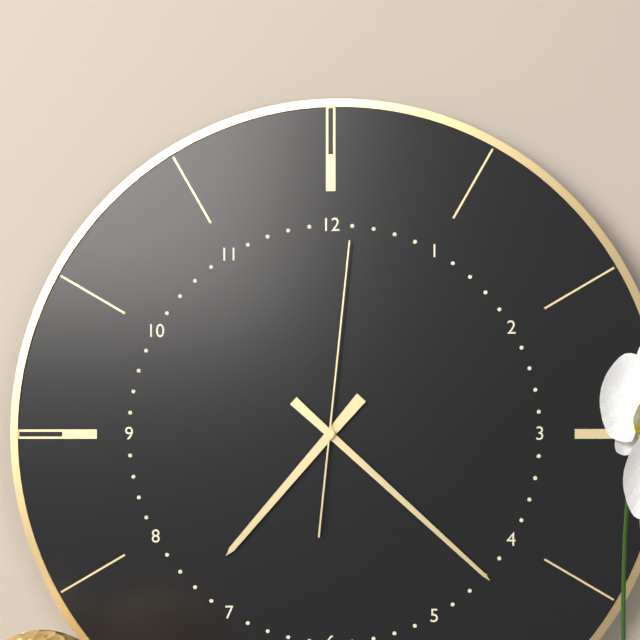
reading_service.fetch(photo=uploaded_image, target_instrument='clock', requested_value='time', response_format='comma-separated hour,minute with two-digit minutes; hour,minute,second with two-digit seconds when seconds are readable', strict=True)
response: 7,22,01
